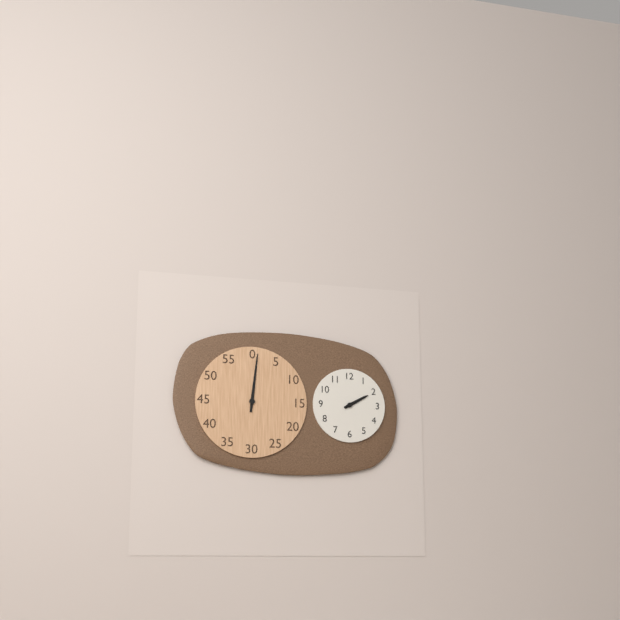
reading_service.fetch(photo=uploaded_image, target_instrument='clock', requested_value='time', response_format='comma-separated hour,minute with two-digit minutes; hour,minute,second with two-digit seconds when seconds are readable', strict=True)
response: 2,01
